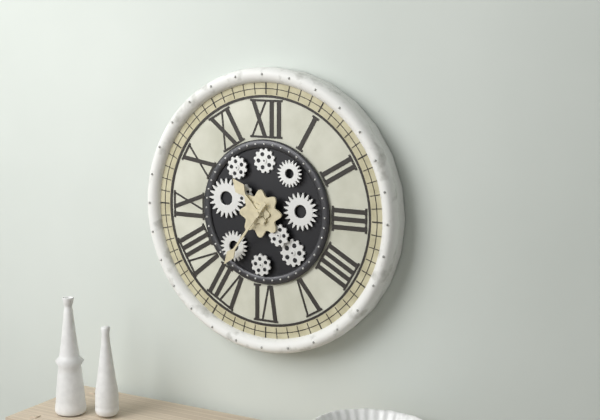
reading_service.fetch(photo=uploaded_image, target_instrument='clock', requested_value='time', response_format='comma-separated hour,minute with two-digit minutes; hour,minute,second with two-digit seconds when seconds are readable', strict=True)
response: 10,36
